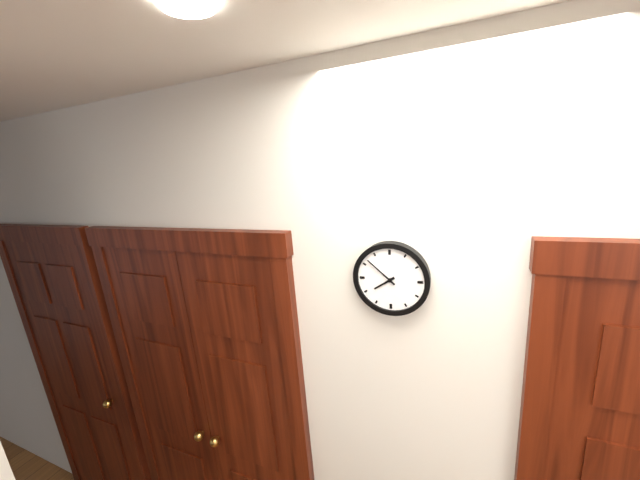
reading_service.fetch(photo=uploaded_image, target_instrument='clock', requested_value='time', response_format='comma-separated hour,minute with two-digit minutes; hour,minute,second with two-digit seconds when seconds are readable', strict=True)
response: 7,52
